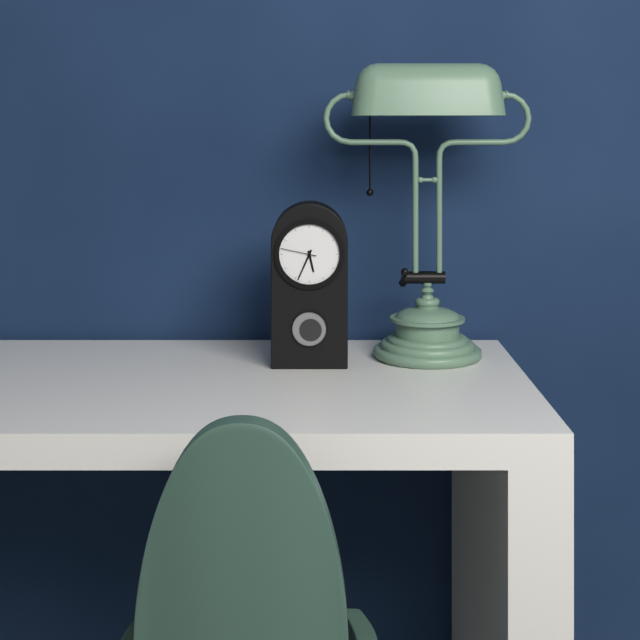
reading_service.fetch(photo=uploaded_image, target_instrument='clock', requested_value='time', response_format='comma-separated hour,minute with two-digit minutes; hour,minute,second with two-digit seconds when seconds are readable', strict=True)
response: 5,34
